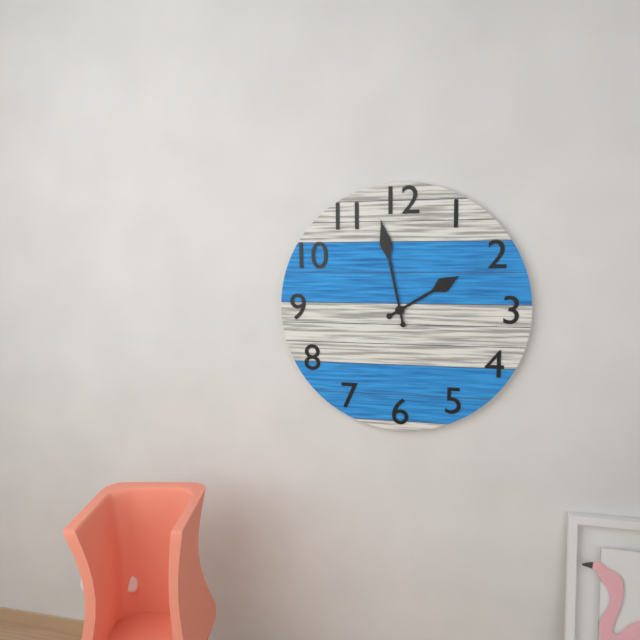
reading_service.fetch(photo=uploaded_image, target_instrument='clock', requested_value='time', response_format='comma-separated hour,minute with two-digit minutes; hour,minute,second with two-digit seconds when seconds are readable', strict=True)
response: 1,58
